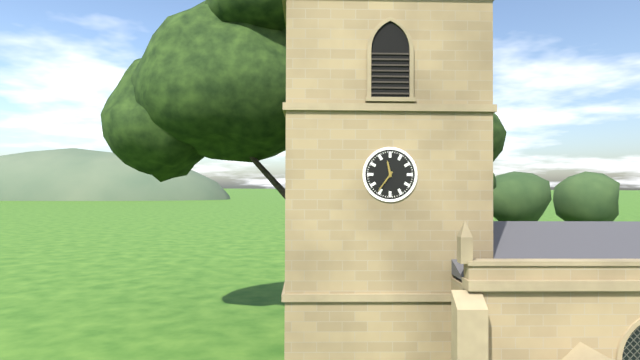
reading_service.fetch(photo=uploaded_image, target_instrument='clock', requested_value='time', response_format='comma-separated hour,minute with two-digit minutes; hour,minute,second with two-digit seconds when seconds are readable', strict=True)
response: 11,36
